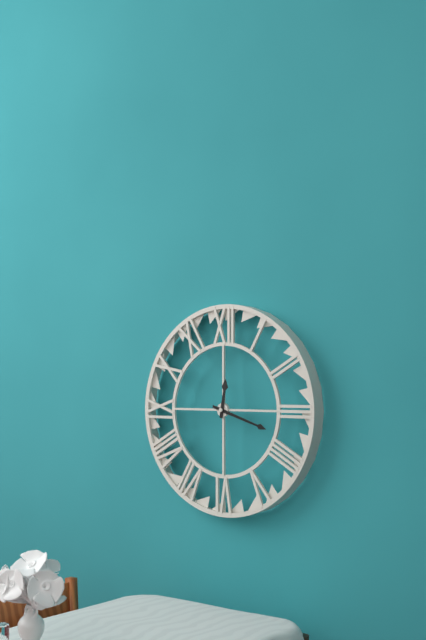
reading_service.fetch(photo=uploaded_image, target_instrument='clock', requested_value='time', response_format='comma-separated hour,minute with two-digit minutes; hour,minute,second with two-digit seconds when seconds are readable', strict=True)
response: 12,18
